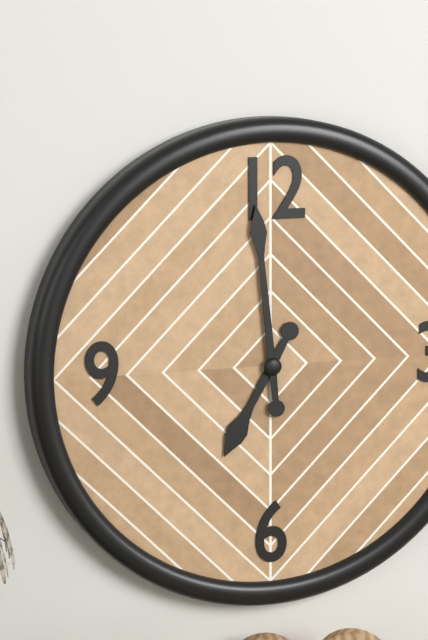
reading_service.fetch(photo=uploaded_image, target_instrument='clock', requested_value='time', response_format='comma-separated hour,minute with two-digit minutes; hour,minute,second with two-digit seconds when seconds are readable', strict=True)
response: 6,59
